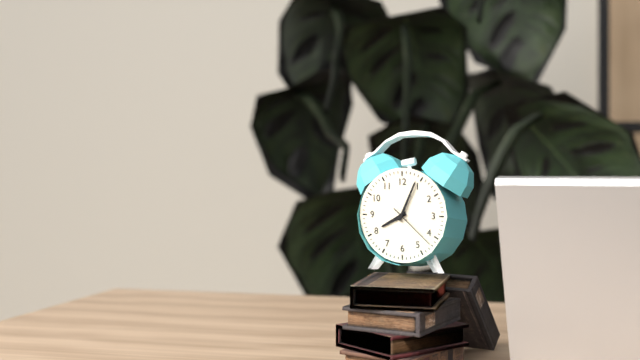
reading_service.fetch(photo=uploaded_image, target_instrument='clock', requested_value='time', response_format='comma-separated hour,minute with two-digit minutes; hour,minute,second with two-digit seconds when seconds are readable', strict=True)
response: 8,04,22
